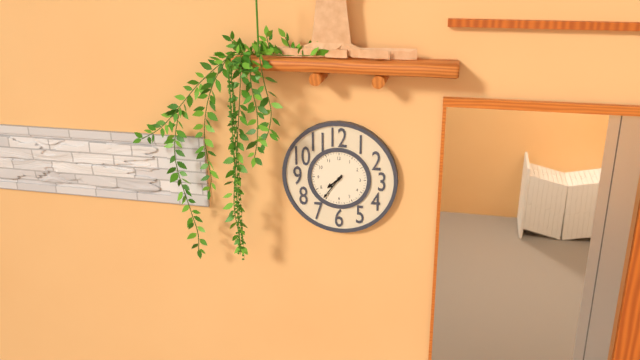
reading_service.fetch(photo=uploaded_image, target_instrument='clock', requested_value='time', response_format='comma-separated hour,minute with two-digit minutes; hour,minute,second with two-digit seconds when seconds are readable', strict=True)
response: 7,36
